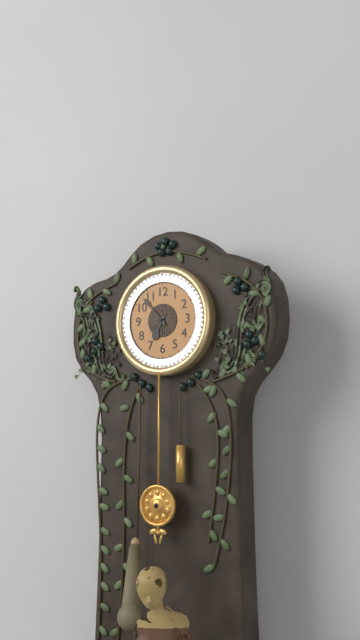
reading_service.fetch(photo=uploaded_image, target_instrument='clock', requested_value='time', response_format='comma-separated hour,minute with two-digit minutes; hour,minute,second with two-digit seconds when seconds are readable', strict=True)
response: 6,53
